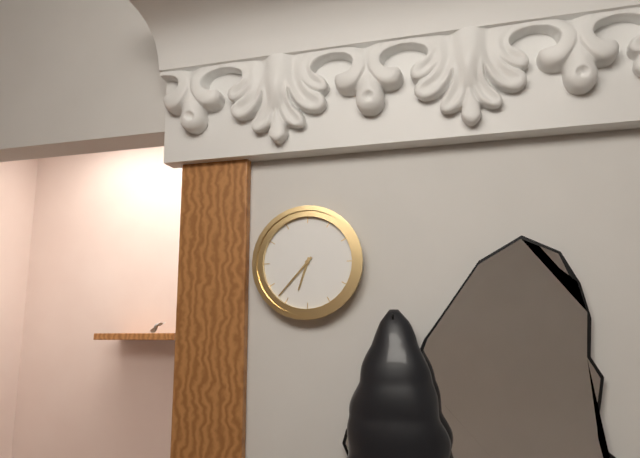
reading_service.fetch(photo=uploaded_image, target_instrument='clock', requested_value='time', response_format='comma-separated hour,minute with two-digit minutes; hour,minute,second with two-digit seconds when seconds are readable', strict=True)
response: 6,37
